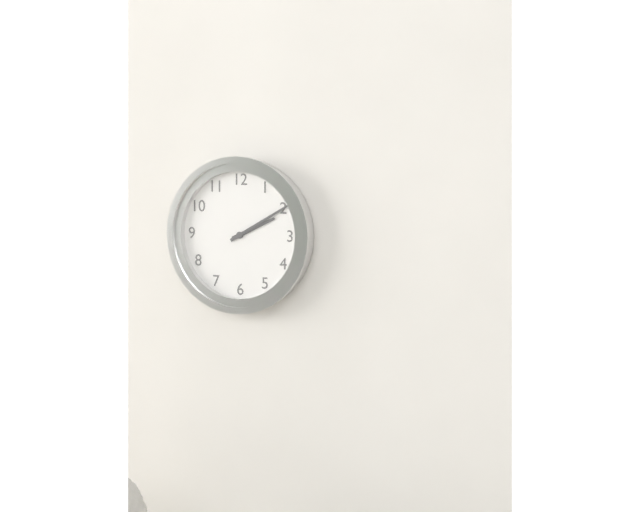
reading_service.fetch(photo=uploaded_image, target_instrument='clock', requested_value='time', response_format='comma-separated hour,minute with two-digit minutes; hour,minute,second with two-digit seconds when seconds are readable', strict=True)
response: 2,10
